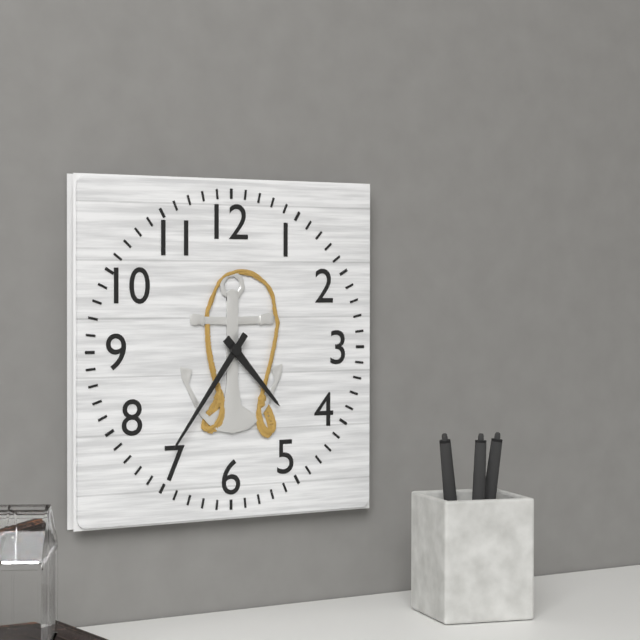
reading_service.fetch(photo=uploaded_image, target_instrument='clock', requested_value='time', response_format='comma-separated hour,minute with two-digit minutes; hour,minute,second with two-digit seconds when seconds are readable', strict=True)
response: 4,36
